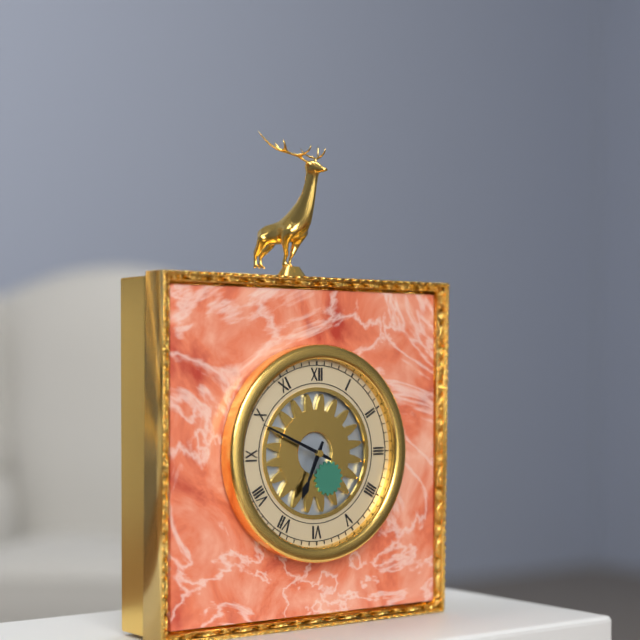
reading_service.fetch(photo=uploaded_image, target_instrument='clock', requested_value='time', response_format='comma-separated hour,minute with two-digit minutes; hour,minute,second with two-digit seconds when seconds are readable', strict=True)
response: 6,49
